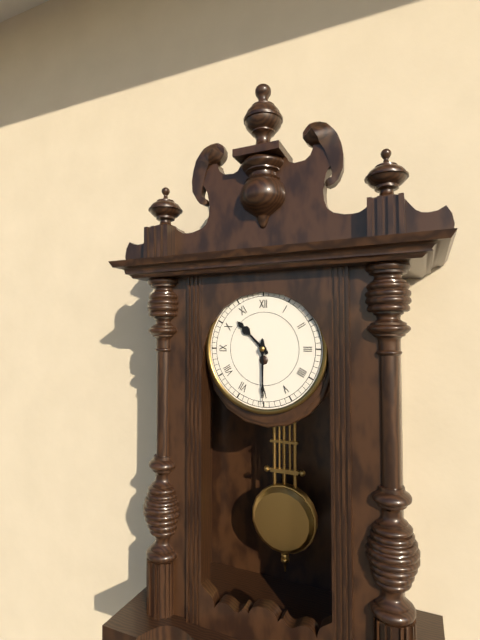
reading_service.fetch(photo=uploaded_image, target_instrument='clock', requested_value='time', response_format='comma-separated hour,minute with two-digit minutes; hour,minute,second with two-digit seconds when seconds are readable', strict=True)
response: 10,30
